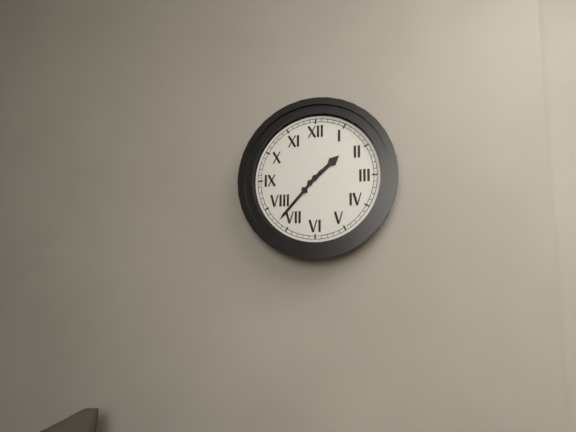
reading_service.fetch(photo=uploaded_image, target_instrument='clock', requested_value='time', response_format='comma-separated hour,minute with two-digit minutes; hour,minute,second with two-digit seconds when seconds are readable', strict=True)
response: 1,37
